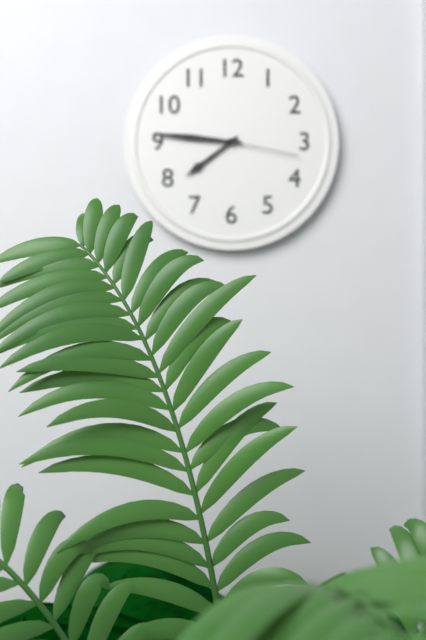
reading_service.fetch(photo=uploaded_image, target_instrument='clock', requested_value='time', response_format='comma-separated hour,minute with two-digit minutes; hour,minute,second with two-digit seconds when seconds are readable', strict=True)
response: 7,46,17
